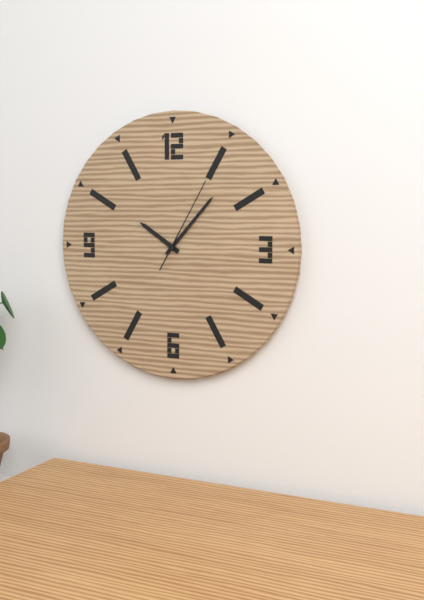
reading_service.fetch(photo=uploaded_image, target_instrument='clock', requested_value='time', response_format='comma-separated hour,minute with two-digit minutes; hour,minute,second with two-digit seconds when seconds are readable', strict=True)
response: 10,07,05
